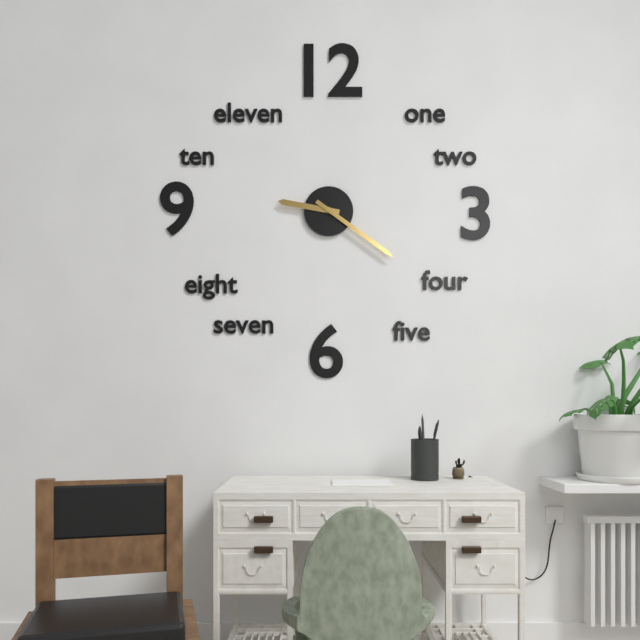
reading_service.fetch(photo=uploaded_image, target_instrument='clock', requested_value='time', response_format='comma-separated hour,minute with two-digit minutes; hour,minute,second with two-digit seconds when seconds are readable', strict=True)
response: 9,21
